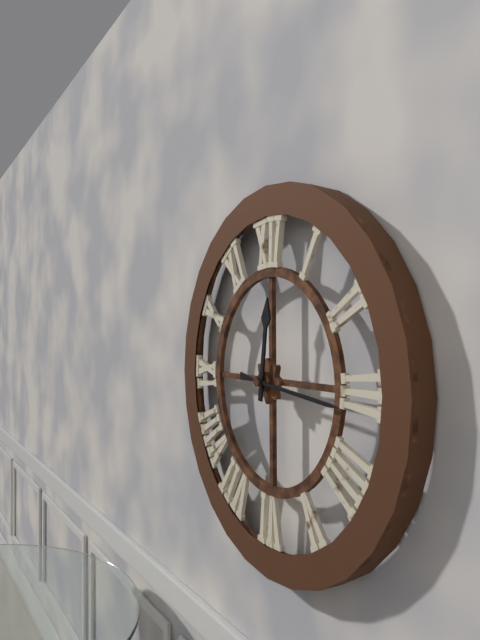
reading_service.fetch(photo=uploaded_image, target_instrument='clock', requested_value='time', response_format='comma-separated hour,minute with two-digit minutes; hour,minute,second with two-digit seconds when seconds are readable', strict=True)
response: 12,16
